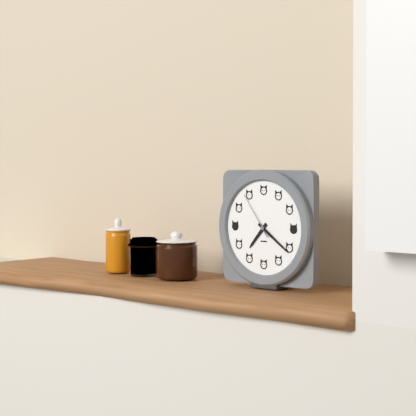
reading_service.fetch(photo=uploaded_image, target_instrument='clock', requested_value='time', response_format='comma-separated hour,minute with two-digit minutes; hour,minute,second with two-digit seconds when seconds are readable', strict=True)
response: 7,21
